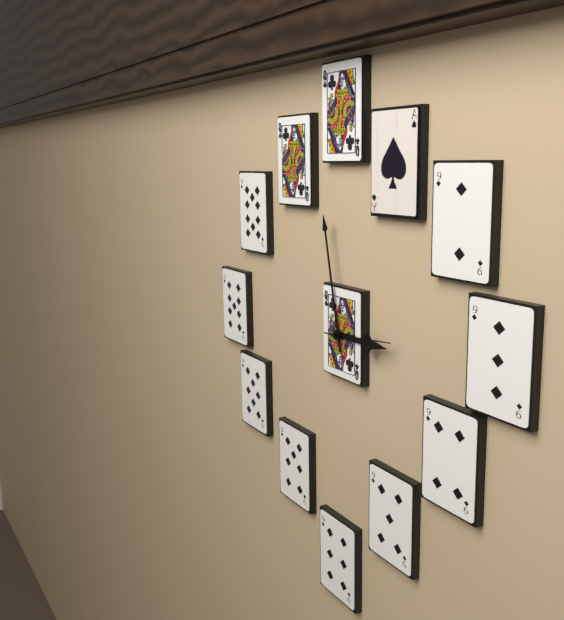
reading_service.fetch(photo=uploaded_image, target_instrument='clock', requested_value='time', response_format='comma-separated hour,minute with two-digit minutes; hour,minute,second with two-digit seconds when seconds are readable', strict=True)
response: 2,58,14
